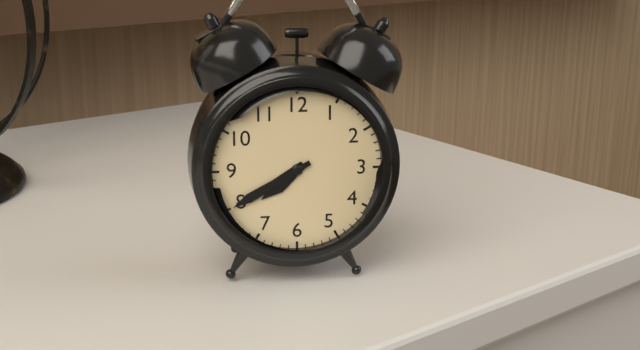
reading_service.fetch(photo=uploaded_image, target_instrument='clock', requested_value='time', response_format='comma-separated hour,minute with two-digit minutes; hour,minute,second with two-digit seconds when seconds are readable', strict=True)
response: 7,40
